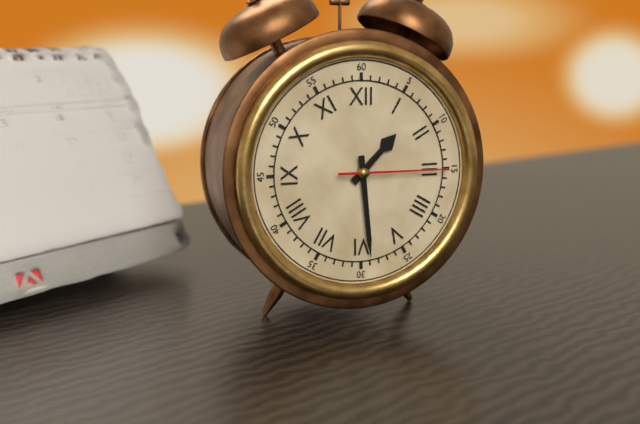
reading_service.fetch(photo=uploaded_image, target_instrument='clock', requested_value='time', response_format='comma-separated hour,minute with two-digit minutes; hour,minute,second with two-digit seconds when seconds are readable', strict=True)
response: 1,29,15
